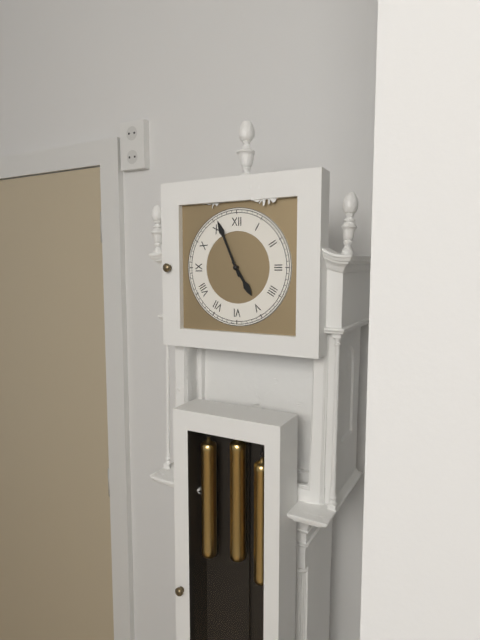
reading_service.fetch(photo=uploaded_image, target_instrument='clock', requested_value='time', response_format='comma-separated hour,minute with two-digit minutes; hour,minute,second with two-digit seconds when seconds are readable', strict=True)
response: 4,56
